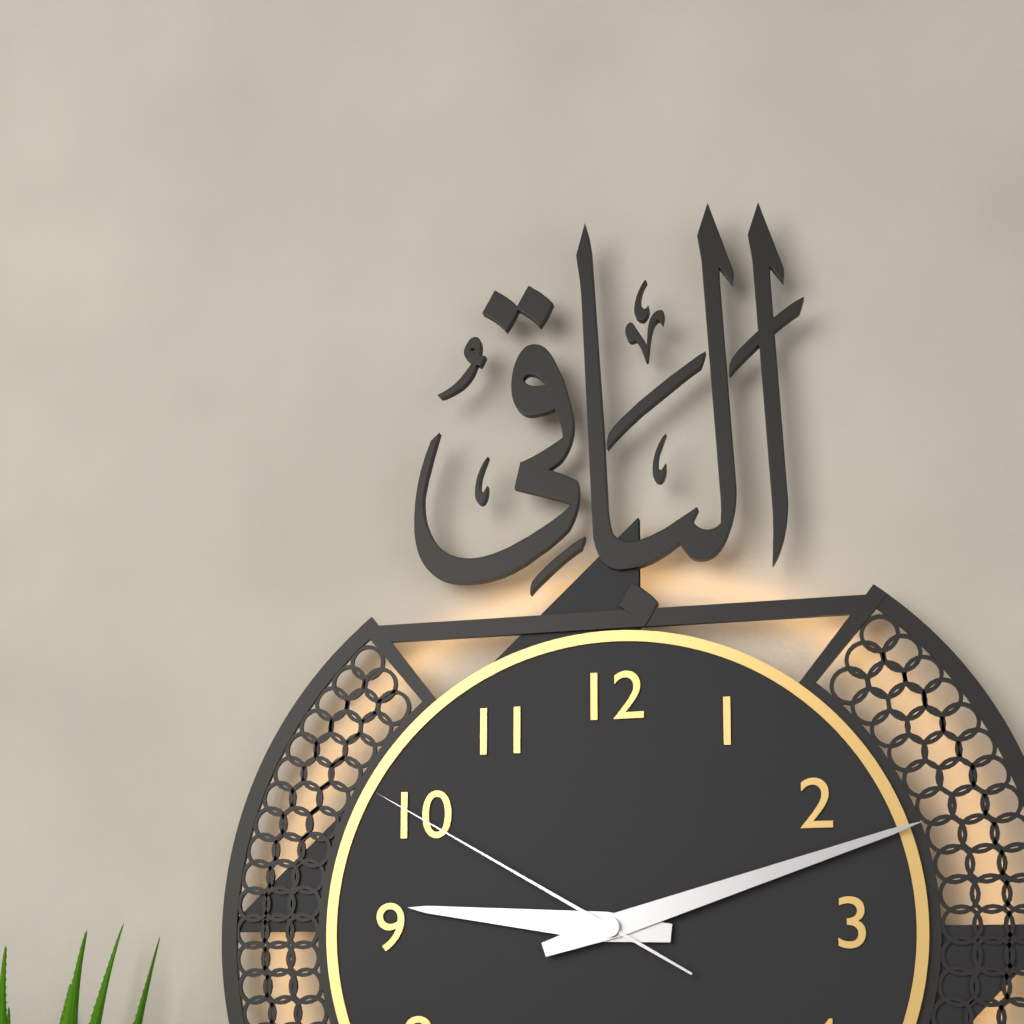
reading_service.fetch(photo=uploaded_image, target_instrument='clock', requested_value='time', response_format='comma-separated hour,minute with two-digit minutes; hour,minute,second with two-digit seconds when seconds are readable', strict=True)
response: 9,12,50
